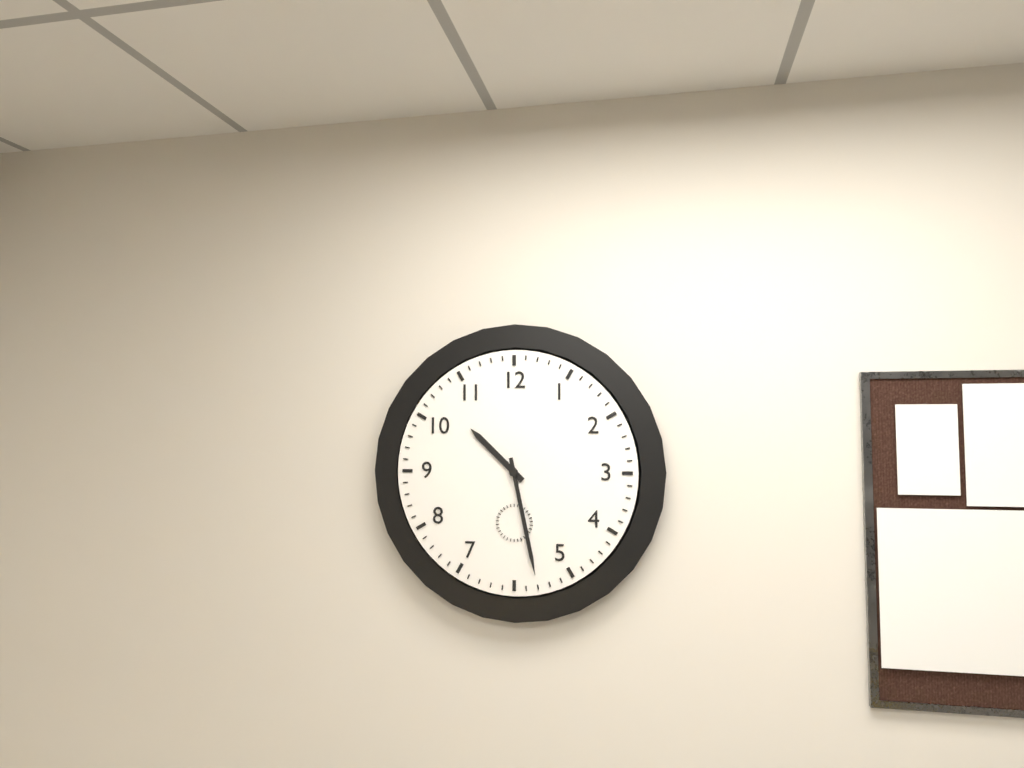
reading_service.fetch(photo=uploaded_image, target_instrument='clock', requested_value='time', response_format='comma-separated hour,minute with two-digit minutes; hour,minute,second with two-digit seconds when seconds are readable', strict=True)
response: 10,28
